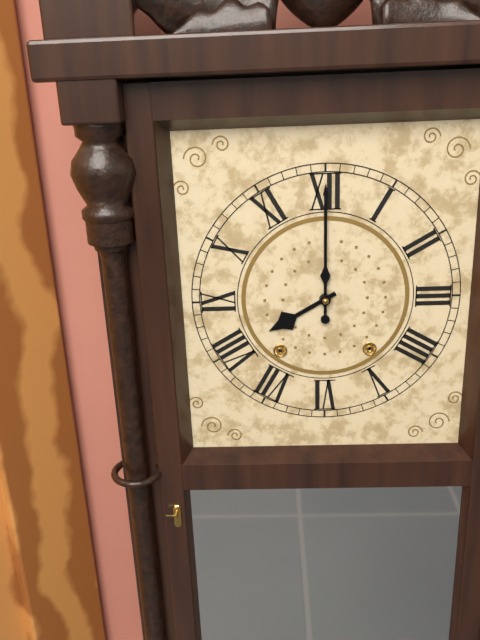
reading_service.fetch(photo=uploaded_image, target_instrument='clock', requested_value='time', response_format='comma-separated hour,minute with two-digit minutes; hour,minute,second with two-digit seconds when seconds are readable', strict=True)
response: 8,00
